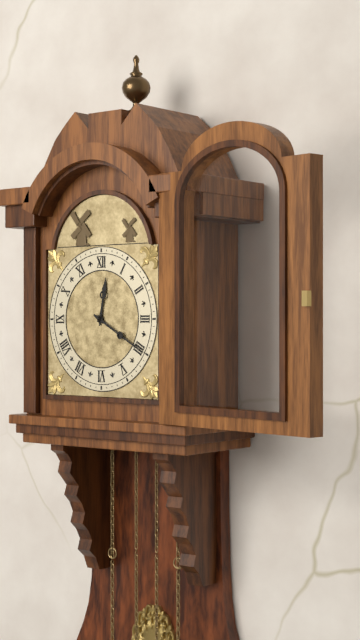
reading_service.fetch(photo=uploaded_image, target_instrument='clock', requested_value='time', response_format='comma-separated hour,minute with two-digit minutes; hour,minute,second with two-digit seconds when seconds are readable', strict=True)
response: 12,20
